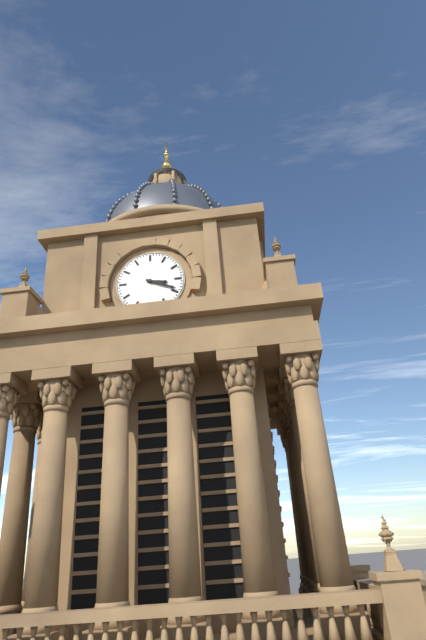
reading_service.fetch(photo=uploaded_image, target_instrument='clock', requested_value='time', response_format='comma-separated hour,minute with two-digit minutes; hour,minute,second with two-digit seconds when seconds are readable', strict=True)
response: 3,19
